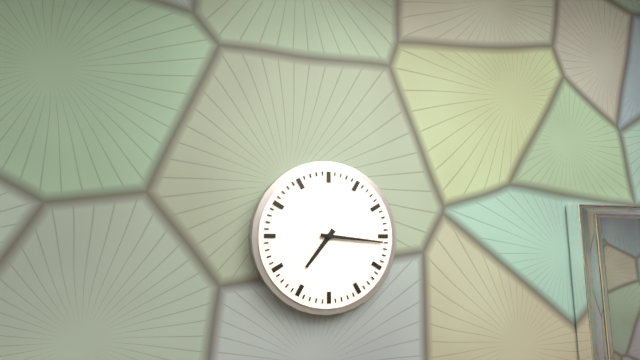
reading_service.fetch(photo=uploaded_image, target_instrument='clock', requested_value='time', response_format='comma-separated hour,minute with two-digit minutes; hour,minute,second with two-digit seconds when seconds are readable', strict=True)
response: 7,16
